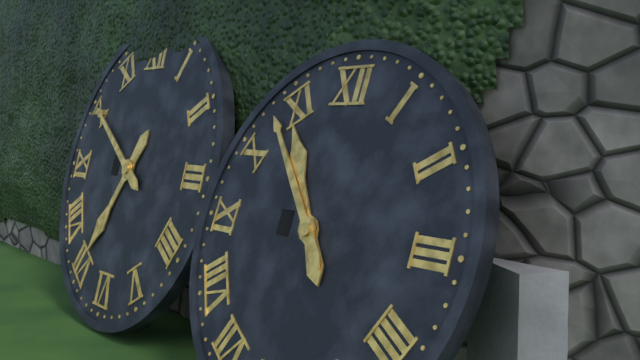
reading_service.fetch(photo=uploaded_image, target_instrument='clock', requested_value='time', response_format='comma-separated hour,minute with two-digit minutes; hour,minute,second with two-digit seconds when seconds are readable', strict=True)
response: 10,53
